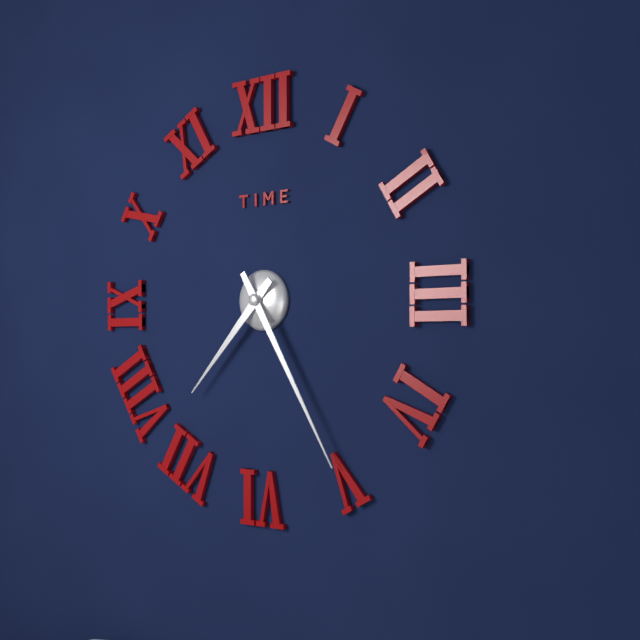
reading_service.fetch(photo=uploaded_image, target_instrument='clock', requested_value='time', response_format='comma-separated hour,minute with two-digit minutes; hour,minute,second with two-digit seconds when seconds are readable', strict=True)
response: 7,25
